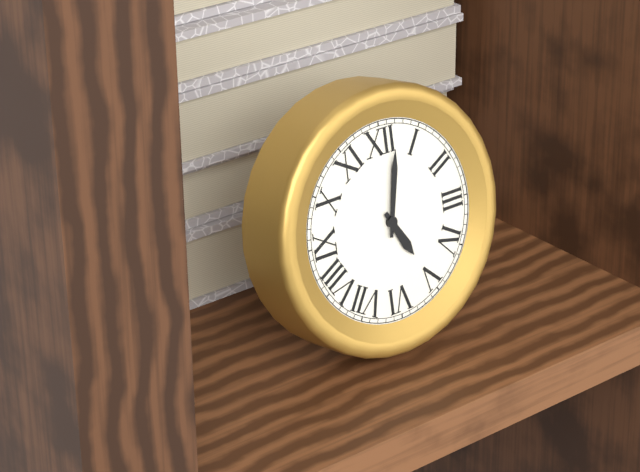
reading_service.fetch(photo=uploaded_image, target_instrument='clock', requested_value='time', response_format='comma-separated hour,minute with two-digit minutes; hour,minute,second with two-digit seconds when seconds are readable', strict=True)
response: 5,02
